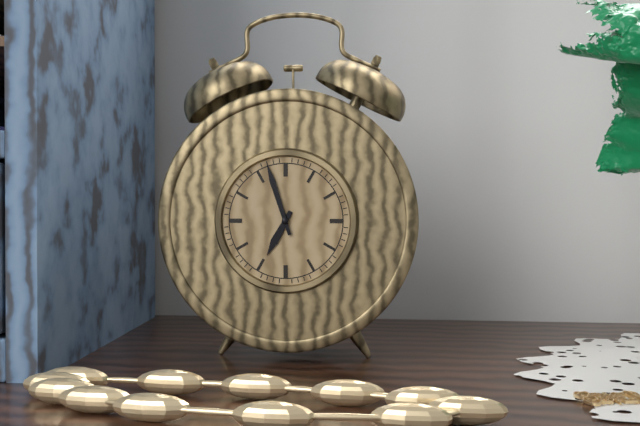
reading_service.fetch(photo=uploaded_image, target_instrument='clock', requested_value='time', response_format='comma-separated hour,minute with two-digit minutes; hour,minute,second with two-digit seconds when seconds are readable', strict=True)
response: 6,57
